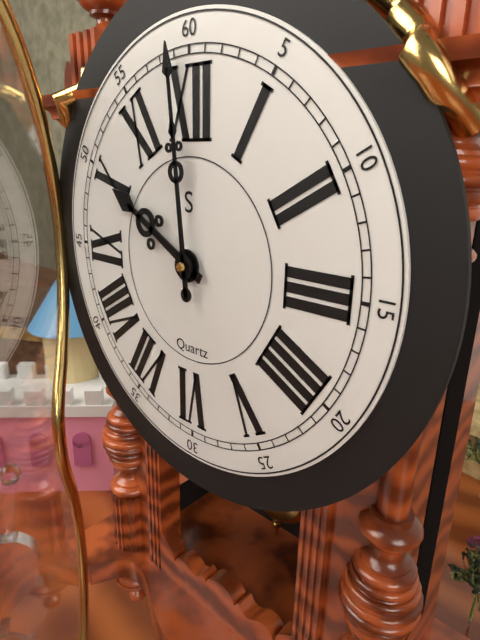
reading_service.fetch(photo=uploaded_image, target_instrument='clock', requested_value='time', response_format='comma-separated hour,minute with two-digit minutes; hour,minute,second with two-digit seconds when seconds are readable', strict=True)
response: 9,59
